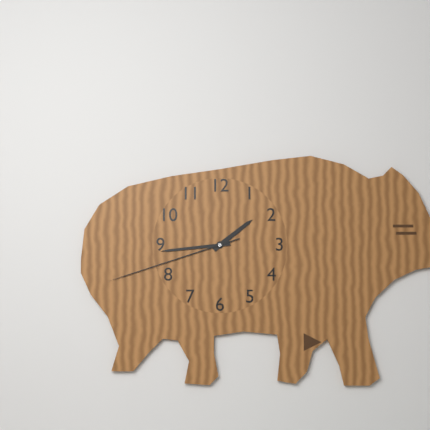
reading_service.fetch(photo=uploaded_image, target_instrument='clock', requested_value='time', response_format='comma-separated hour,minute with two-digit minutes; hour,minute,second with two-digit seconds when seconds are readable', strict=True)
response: 1,44,42
